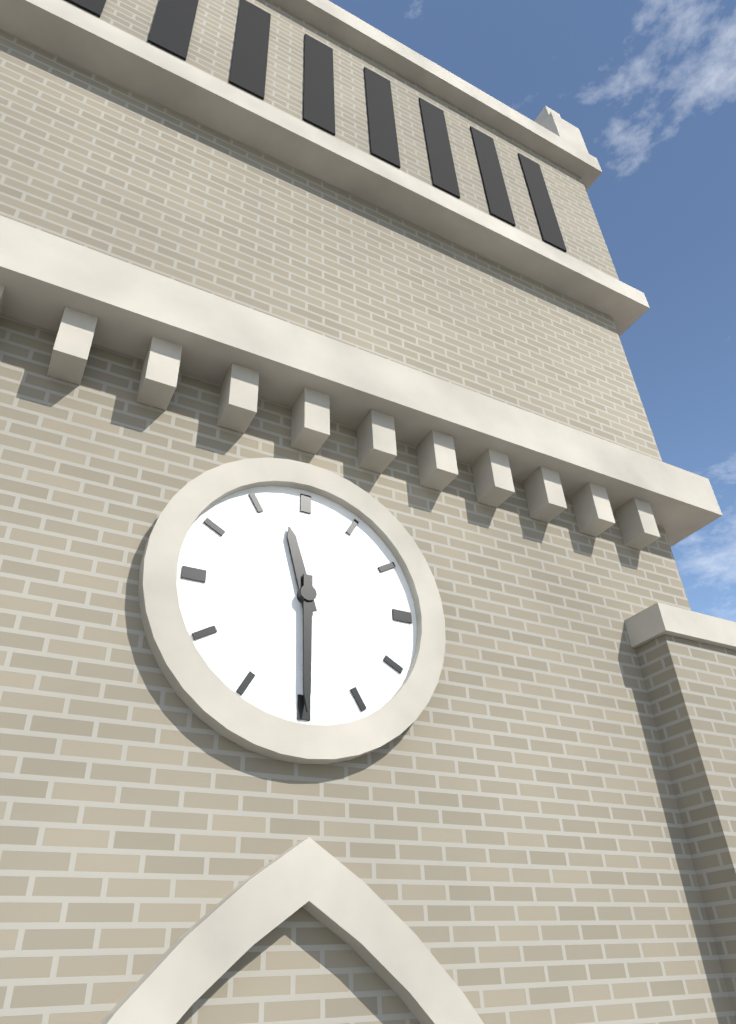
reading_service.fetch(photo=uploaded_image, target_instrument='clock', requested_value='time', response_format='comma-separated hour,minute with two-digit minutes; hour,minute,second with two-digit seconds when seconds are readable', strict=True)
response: 11,30
